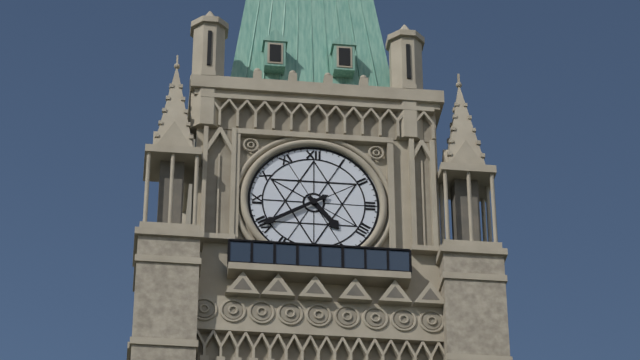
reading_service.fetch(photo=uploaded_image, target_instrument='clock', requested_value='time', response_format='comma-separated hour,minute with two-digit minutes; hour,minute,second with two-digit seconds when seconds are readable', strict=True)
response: 4,40
